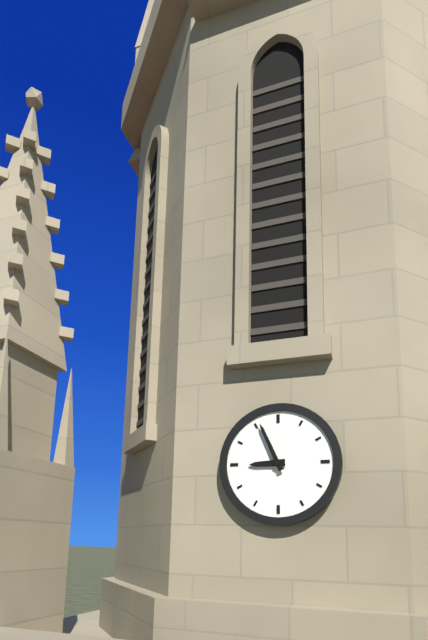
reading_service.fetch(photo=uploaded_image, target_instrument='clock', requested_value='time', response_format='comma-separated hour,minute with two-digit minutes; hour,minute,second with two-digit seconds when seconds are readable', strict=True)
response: 8,56
